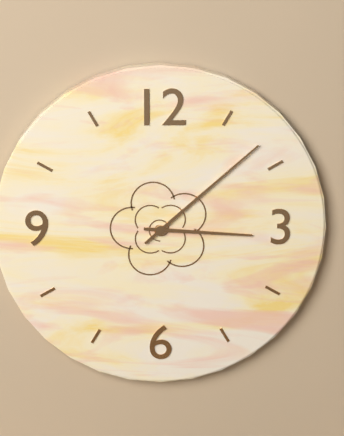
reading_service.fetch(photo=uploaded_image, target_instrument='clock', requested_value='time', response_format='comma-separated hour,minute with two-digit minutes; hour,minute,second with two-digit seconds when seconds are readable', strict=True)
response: 3,08
